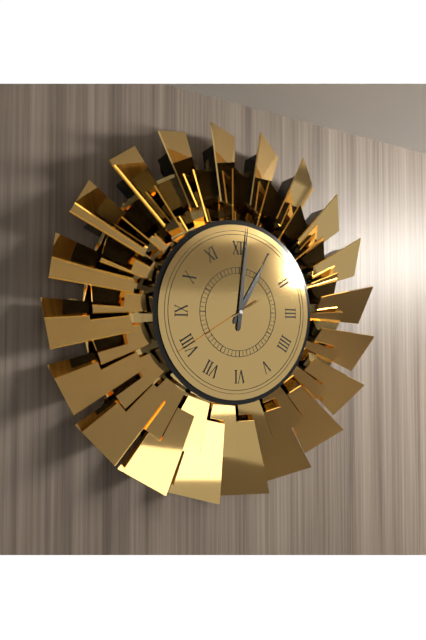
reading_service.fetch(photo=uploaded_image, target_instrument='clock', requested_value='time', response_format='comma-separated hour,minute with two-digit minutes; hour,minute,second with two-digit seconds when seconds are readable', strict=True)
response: 1,01,40
